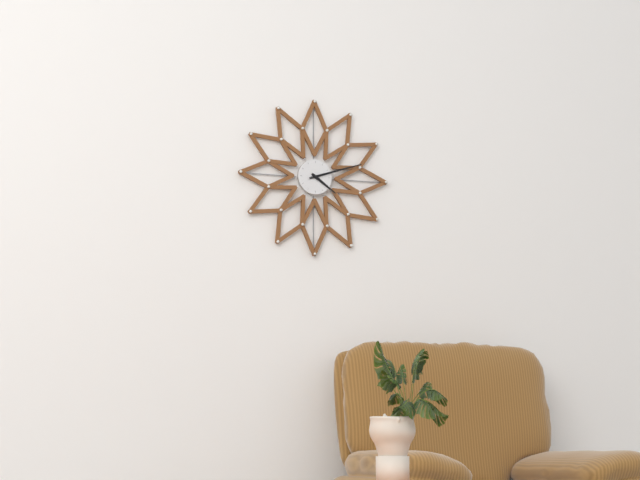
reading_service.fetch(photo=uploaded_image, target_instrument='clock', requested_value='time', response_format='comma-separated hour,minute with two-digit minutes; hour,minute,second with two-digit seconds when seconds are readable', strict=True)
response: 4,12
